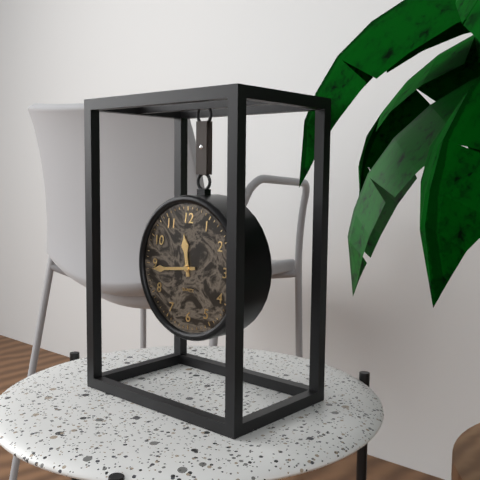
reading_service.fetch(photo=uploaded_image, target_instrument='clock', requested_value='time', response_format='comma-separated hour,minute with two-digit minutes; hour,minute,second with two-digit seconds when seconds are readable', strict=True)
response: 11,44
